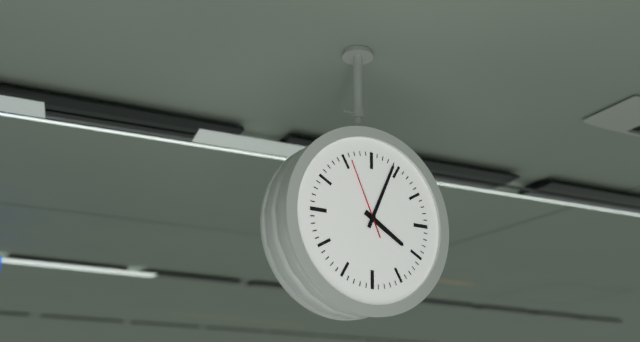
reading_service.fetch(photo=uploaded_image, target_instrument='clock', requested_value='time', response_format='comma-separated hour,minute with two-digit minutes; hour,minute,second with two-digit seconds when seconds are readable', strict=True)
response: 4,04,56
